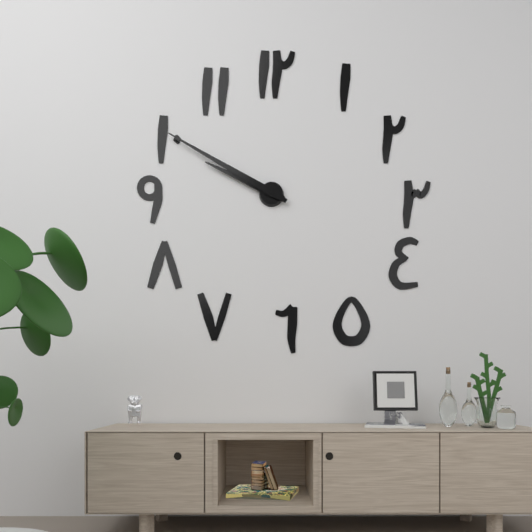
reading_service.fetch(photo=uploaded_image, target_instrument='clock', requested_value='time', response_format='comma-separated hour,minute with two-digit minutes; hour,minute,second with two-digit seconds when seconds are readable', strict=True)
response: 9,50
